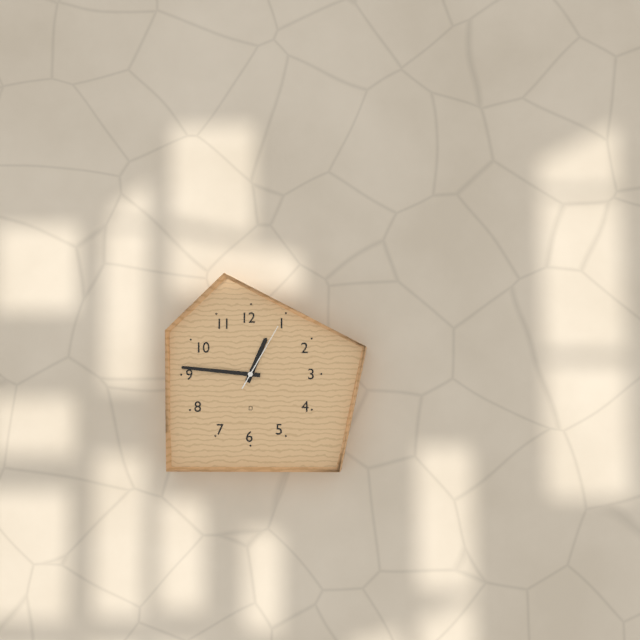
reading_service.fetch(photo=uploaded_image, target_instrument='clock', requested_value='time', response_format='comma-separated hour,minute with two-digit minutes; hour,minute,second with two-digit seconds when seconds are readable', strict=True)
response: 12,46,05
